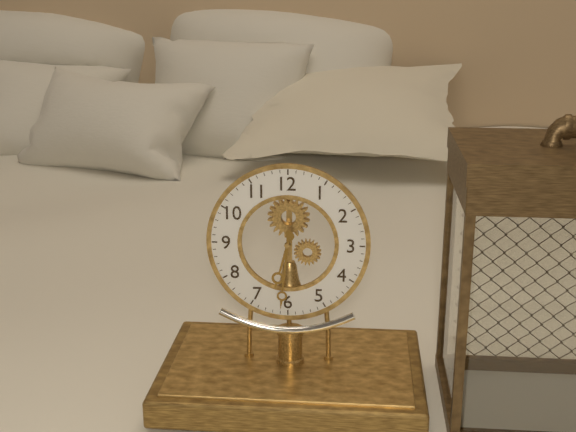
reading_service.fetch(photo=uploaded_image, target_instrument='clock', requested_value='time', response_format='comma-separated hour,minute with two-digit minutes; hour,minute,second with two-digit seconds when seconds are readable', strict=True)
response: 6,31
